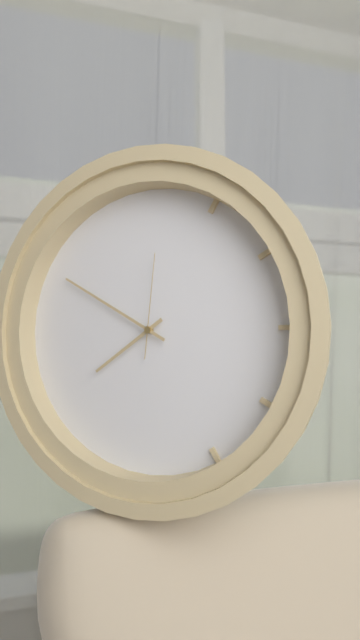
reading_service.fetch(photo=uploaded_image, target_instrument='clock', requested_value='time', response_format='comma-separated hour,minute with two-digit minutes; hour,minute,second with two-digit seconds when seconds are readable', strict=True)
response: 7,50,01
